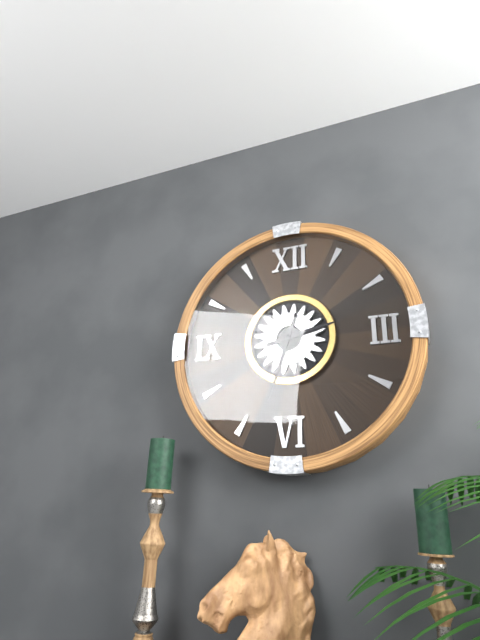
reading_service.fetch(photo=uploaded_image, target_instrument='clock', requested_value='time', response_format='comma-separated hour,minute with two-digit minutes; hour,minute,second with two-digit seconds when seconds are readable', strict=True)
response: 2,33
